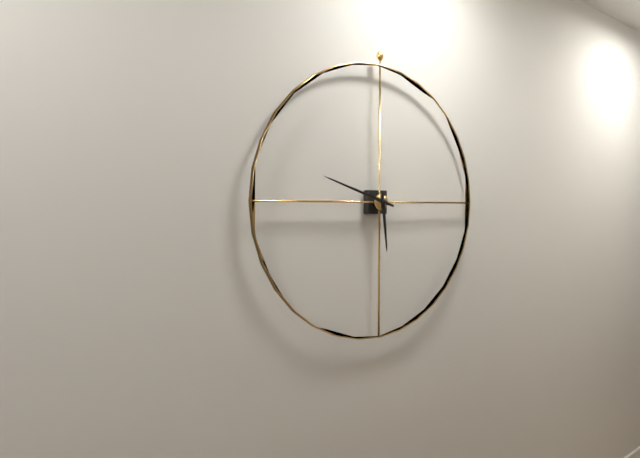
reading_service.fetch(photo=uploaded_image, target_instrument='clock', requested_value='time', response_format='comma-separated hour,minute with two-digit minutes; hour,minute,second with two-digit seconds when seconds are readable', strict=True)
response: 5,48
